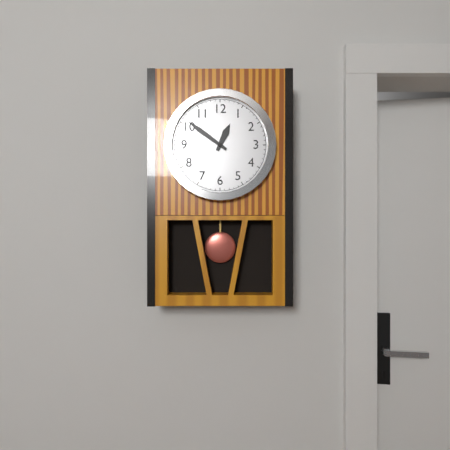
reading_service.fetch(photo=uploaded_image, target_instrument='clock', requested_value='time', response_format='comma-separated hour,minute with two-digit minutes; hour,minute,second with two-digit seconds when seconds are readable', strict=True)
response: 12,51
